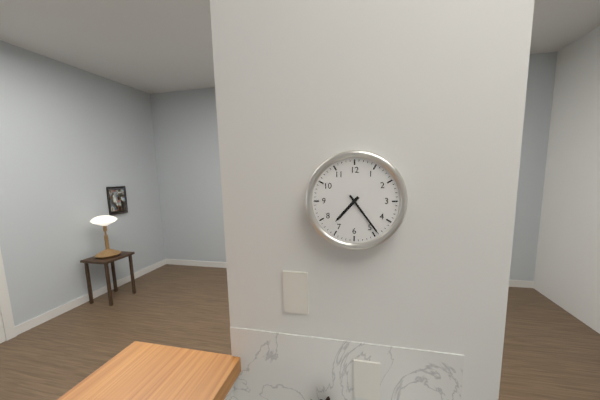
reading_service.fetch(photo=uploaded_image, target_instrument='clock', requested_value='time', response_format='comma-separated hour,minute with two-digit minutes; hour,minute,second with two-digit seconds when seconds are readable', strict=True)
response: 7,24
